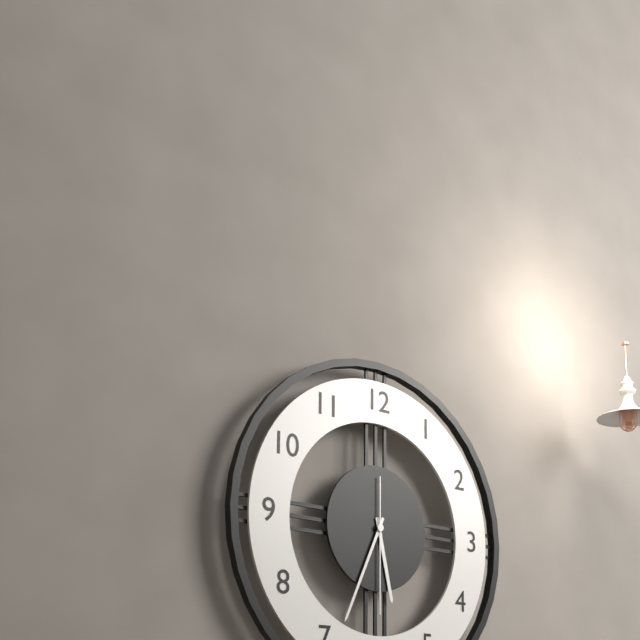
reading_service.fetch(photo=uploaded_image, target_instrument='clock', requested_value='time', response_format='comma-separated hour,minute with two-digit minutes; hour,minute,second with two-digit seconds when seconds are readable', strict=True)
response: 5,34,30
